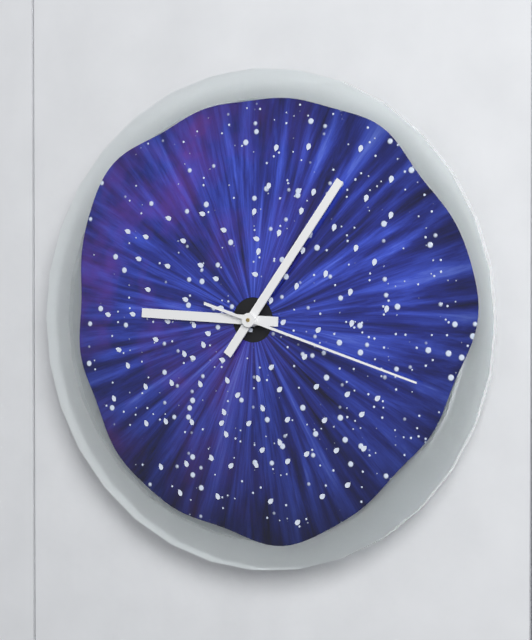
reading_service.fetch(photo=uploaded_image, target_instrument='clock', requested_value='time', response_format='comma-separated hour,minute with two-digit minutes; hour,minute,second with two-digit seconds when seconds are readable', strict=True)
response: 9,06,18
